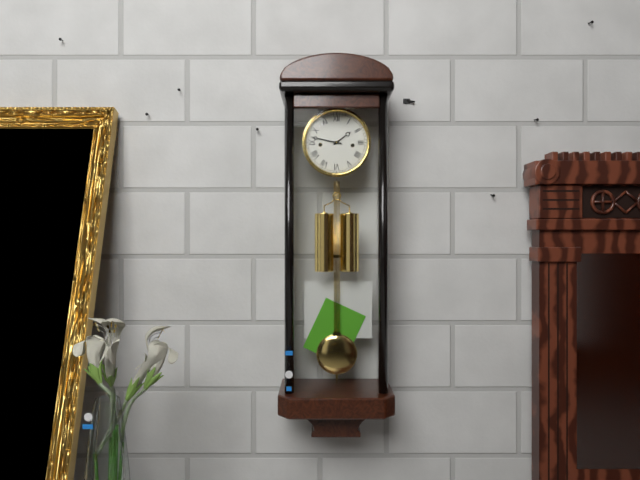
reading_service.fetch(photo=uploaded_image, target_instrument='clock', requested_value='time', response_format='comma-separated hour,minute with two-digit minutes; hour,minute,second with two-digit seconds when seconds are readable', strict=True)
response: 1,47
